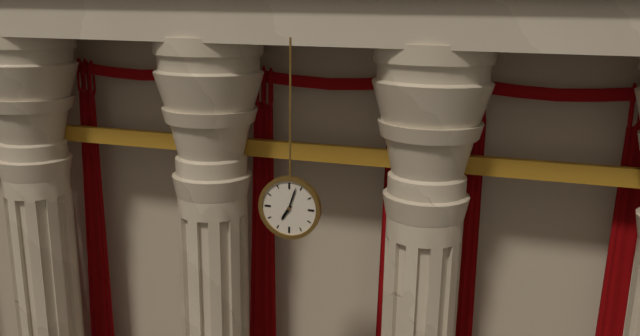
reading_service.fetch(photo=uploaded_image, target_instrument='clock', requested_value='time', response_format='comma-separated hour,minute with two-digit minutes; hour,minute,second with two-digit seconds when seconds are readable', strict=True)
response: 7,03
